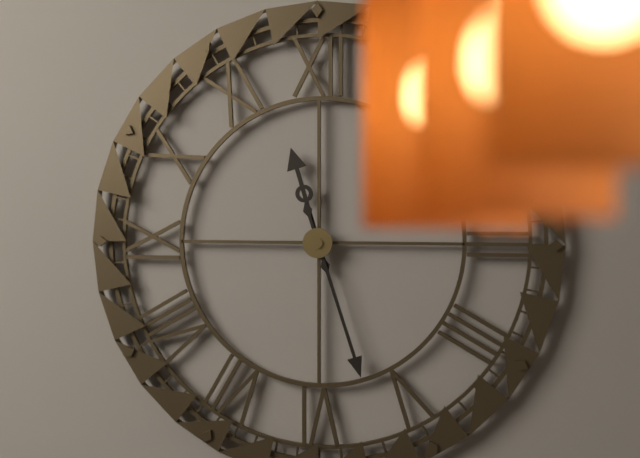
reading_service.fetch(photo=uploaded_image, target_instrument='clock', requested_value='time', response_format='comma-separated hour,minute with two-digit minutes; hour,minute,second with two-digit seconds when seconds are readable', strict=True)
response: 11,27
